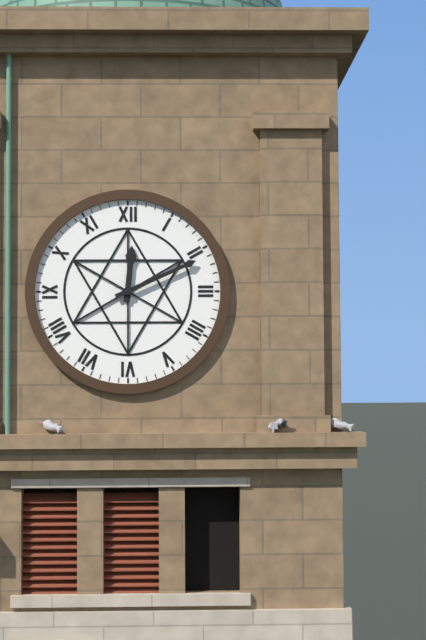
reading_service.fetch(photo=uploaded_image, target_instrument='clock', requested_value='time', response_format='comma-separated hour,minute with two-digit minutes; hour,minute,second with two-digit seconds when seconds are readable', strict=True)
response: 12,11
